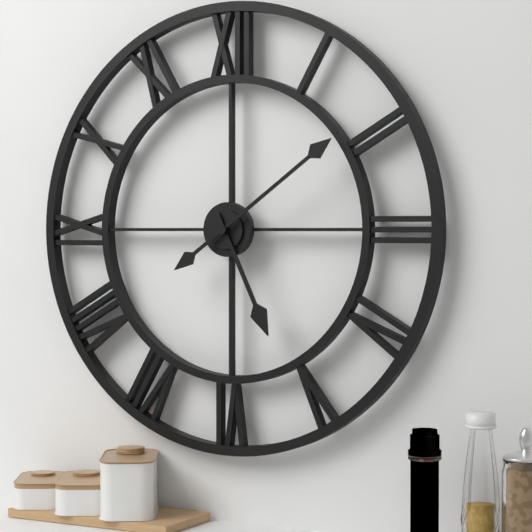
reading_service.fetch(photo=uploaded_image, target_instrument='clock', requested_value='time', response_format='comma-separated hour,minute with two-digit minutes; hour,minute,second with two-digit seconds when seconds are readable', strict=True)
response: 5,09
